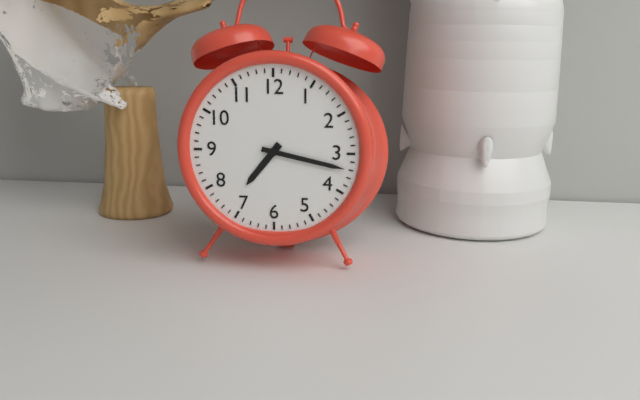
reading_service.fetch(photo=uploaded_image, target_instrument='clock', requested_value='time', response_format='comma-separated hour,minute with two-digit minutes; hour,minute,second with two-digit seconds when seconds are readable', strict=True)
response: 7,17
